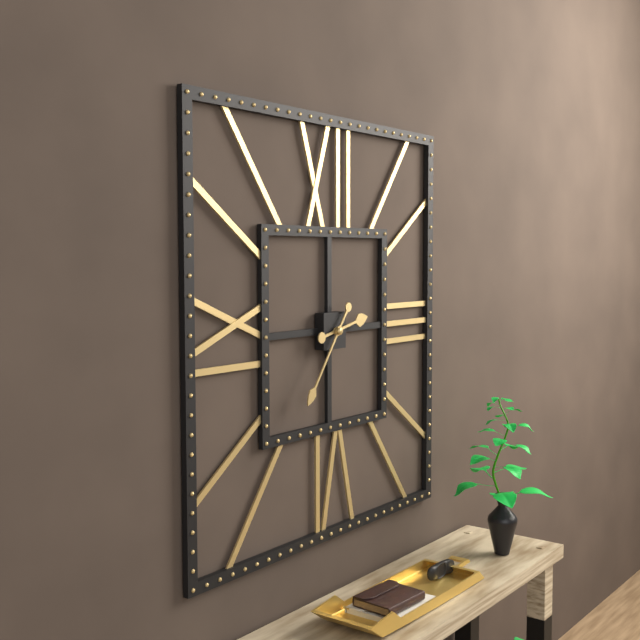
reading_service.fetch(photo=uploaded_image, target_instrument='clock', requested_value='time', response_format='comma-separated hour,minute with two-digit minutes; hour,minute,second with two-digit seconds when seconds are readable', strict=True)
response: 2,36
